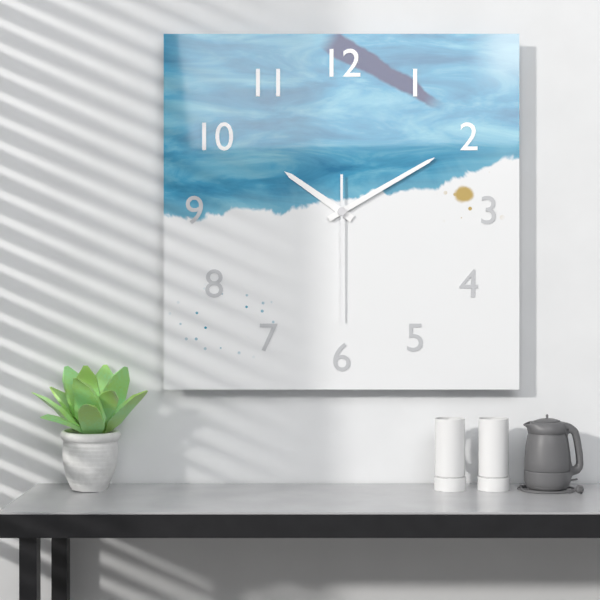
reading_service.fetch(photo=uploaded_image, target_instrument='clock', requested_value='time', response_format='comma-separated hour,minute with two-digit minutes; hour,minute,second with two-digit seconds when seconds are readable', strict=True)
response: 10,10,30
